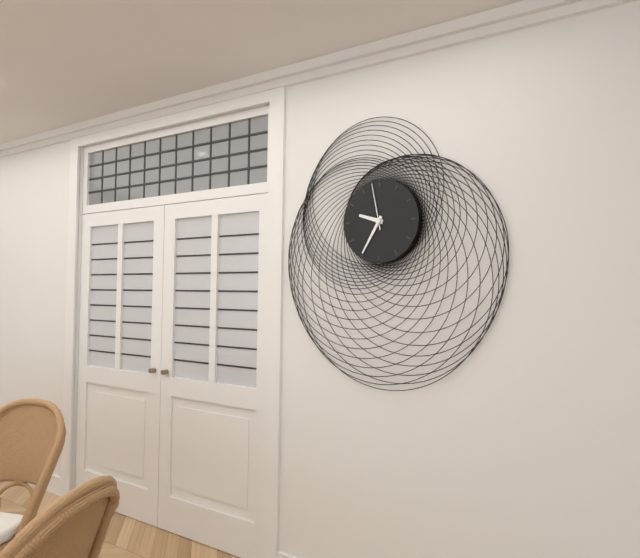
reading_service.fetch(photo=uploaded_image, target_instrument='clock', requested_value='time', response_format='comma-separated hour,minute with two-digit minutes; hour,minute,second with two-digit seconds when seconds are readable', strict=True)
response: 9,35
